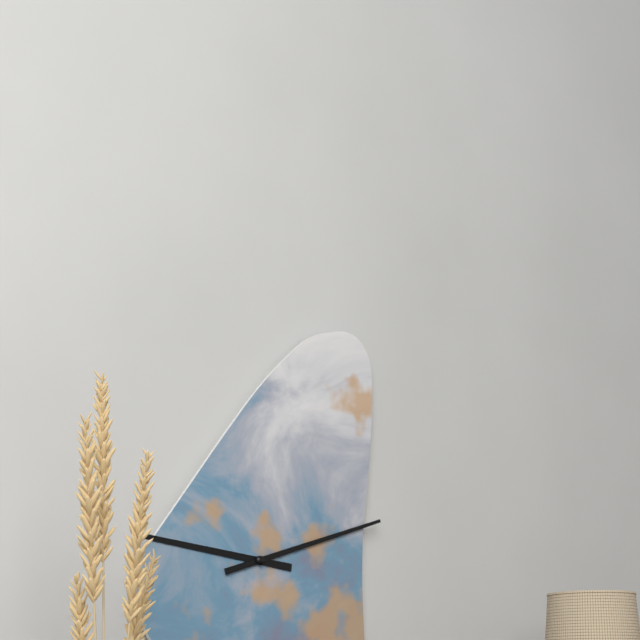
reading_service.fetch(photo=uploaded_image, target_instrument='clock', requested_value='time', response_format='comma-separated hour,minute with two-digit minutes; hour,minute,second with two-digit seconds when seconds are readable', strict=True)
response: 9,12
